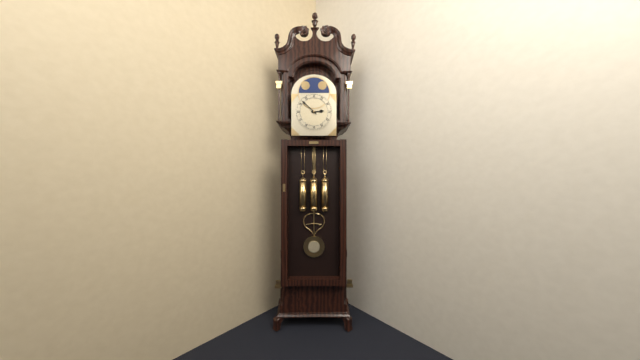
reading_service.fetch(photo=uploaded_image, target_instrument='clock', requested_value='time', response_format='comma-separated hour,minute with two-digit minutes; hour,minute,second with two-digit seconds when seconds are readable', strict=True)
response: 2,52
